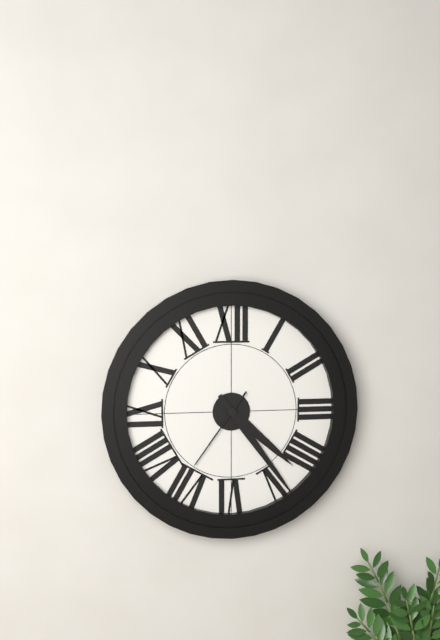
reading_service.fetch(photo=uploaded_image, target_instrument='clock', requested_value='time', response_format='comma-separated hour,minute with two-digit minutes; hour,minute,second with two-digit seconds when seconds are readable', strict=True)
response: 4,24,36
